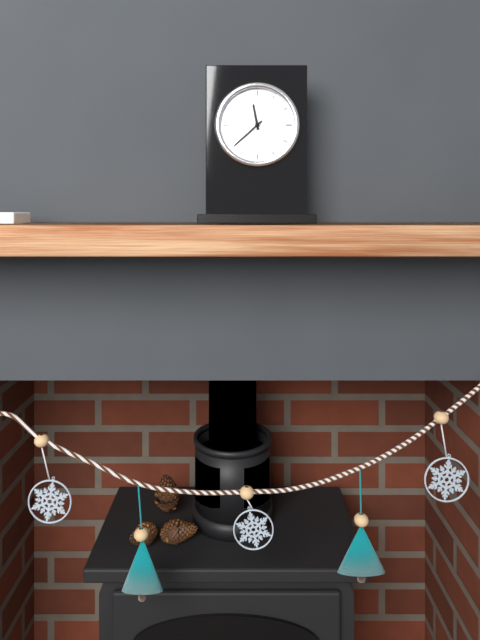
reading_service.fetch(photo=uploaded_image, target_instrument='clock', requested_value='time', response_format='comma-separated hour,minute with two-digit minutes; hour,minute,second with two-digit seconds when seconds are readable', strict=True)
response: 11,38
